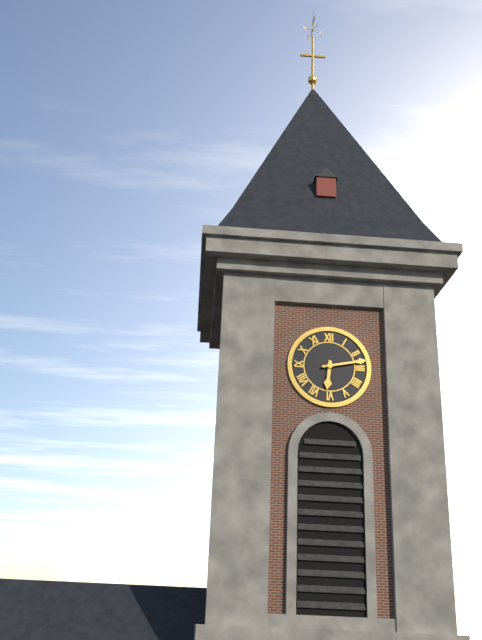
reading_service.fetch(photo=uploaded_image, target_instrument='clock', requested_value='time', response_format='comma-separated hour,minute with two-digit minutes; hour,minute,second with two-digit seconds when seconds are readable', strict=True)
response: 6,13
